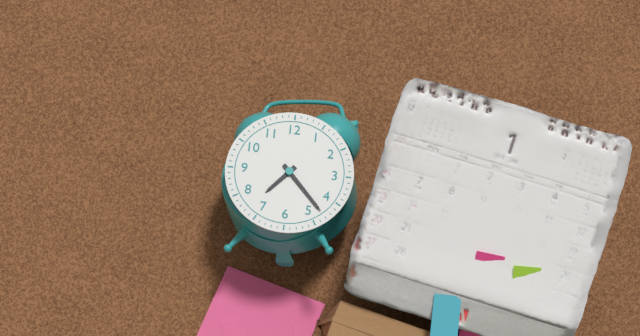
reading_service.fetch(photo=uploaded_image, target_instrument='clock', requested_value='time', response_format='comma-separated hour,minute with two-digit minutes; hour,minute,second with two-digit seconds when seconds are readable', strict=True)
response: 7,23
